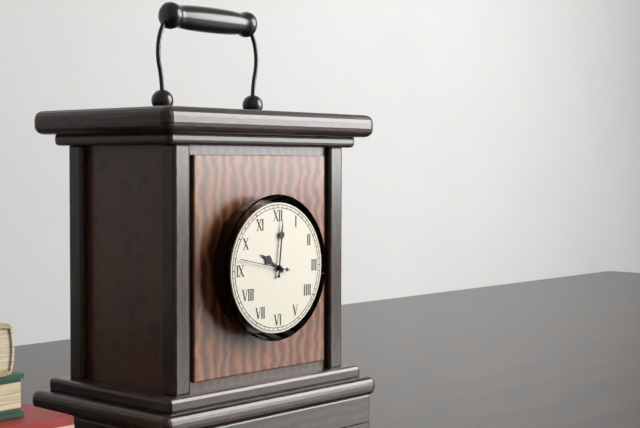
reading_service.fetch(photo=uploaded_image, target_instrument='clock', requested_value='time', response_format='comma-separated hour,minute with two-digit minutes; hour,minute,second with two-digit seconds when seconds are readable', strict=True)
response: 10,01,47
